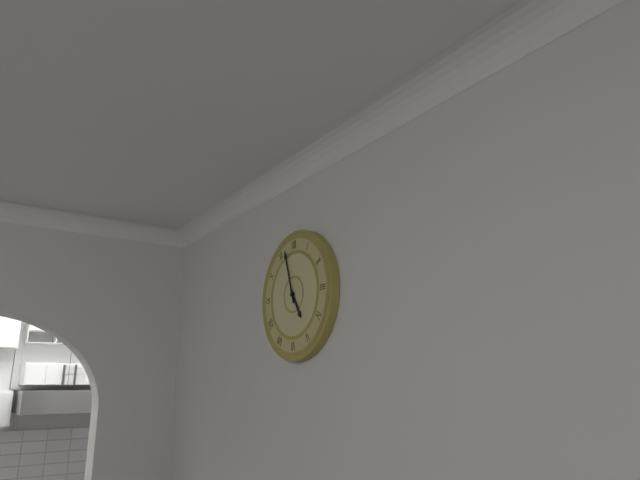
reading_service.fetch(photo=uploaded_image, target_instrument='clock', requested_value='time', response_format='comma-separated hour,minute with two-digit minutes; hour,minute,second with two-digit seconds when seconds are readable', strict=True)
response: 4,57
